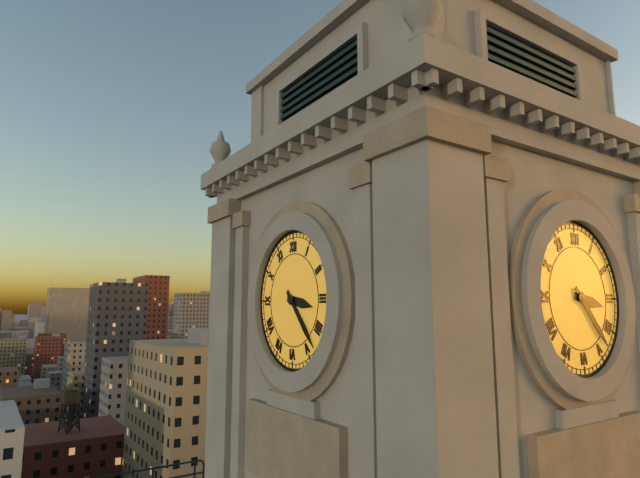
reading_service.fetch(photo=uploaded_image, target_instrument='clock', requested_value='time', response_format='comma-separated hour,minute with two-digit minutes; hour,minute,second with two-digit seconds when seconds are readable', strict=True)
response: 3,23
